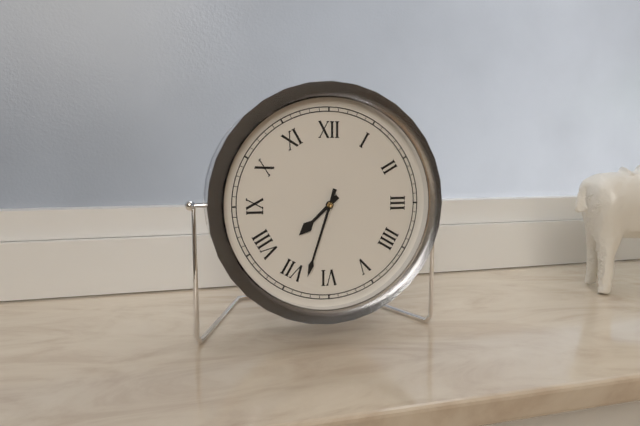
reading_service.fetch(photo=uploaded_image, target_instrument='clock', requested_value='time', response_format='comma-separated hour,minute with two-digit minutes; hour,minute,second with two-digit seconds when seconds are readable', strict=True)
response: 7,33
